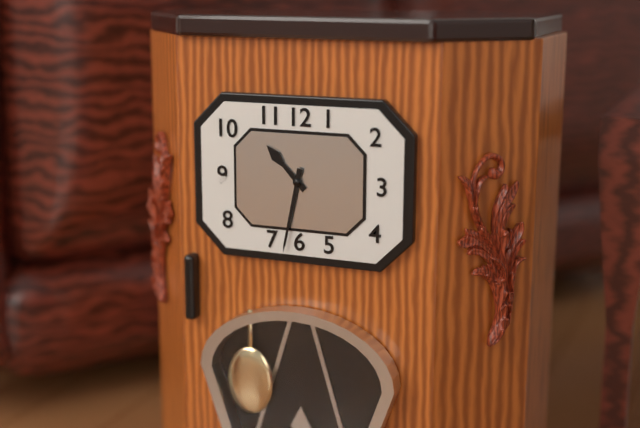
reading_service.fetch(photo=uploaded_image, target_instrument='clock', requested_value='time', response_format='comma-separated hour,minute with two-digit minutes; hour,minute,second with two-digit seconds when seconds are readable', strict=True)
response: 10,32
